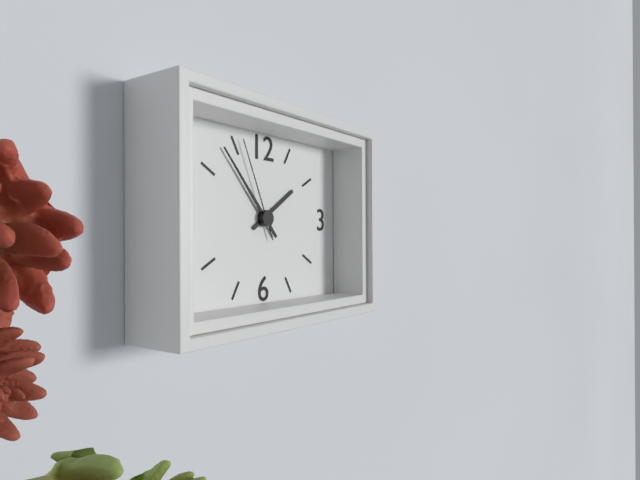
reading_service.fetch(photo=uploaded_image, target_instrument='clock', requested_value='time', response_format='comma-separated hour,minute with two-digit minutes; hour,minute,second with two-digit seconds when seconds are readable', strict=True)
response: 1,53,56
